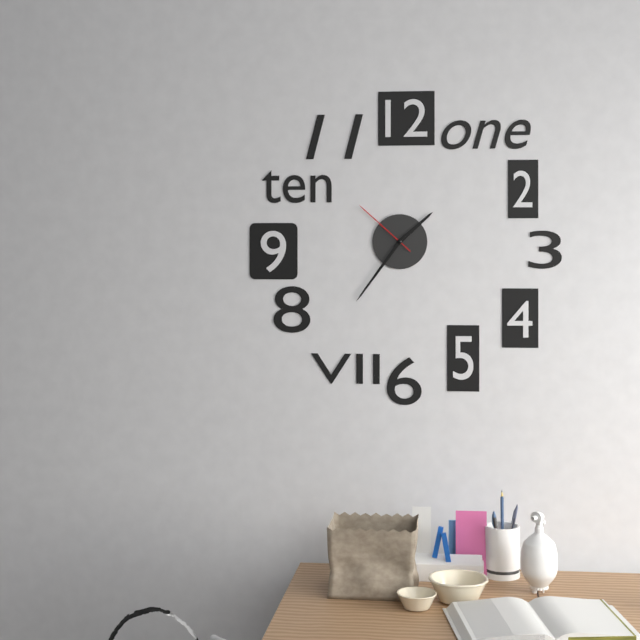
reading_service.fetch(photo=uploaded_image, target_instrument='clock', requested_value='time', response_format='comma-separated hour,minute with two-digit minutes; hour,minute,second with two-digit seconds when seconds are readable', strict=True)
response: 1,36,52
